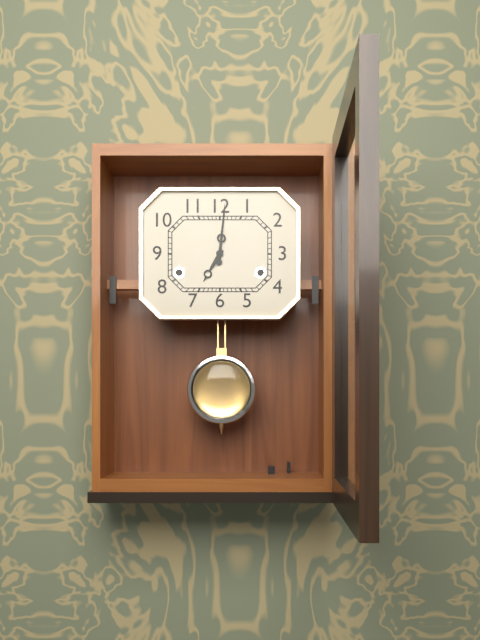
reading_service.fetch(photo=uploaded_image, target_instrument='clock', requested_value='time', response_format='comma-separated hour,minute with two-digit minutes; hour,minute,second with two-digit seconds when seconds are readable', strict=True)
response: 7,01
